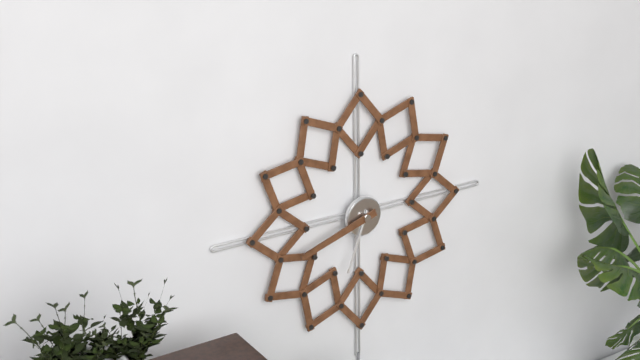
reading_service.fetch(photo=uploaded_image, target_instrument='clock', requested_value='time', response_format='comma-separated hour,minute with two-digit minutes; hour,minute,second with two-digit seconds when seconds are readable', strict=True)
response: 6,42
